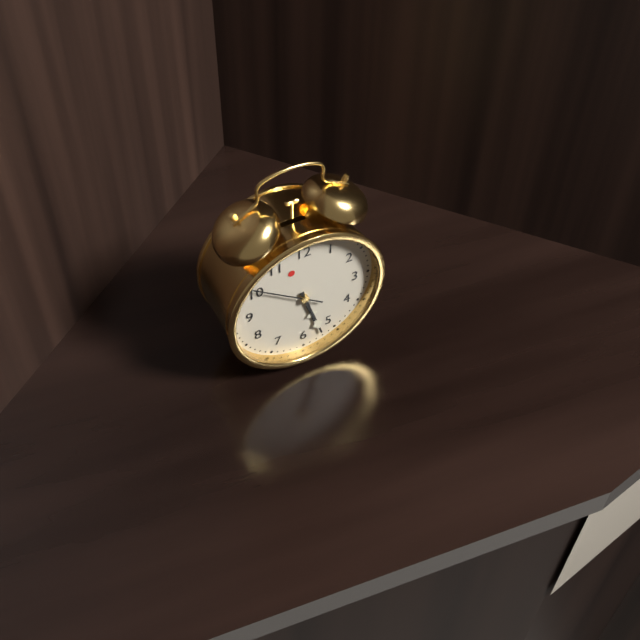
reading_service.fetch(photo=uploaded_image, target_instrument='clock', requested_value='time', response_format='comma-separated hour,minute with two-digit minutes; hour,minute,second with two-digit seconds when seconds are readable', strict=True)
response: 5,27,51
